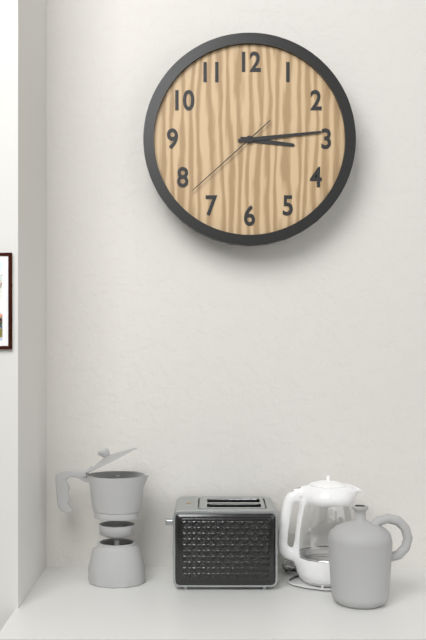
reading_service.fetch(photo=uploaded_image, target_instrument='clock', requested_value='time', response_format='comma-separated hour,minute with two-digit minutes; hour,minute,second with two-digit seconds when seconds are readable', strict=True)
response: 3,14,38
